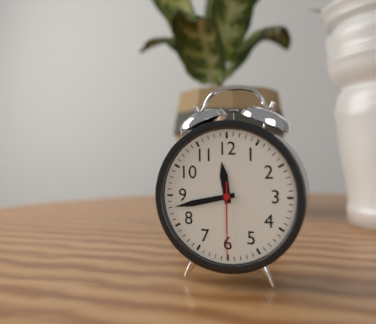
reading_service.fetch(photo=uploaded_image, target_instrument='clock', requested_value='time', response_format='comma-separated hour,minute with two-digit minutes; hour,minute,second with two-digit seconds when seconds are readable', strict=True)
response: 11,43,30
